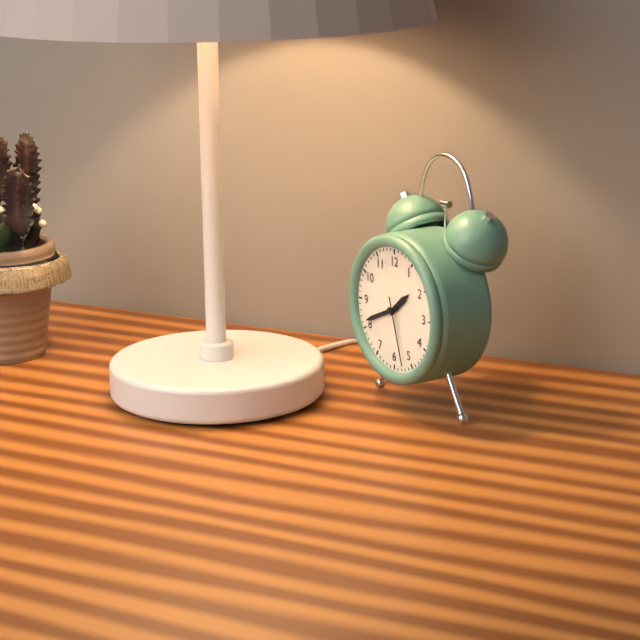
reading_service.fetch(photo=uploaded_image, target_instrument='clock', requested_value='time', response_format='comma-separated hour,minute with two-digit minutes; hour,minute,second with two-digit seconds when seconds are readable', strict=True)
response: 1,41,27
